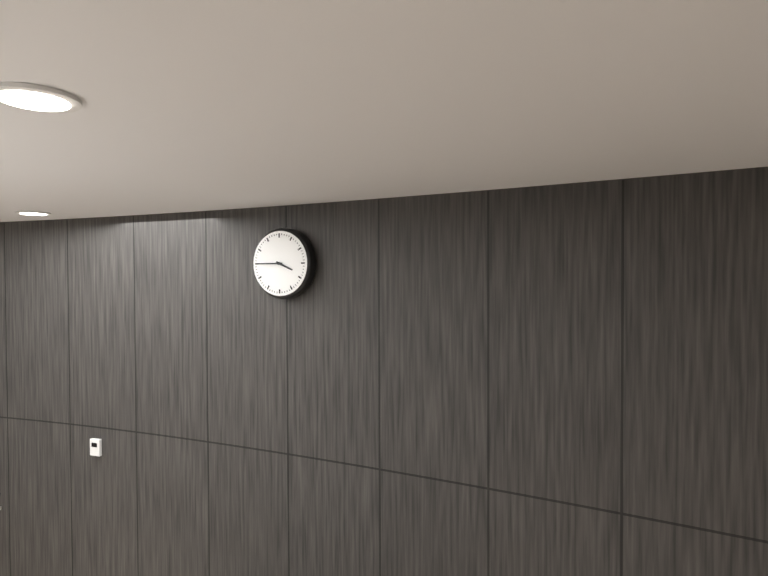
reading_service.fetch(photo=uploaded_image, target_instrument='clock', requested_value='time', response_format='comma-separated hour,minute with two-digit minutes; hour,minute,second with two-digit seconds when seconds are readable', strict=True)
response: 3,45
